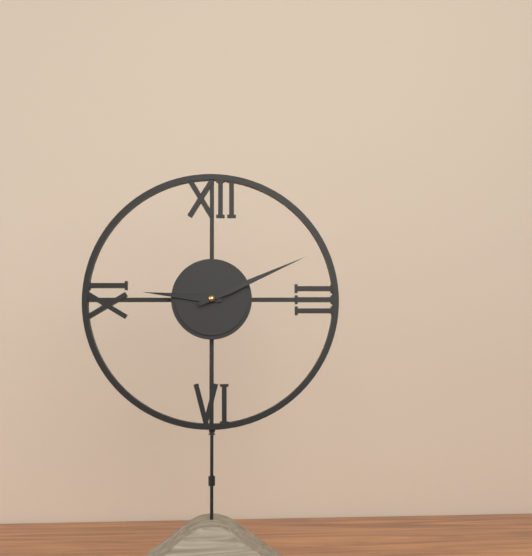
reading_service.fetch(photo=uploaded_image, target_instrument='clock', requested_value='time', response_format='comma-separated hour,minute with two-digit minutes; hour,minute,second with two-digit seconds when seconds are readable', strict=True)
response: 9,11
